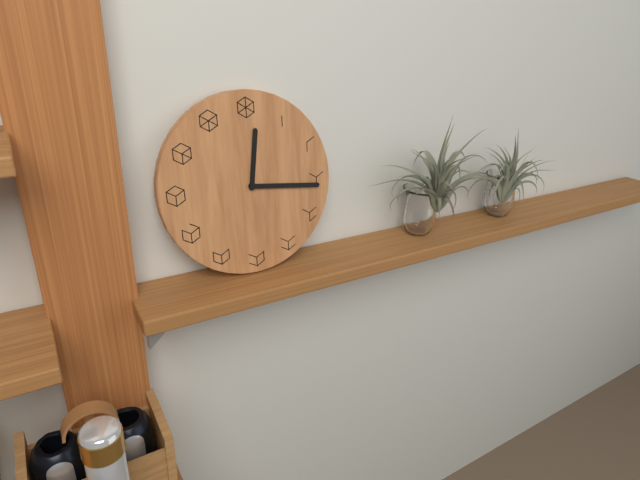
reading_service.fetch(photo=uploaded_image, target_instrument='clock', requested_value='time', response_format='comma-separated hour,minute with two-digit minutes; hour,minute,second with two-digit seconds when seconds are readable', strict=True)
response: 12,16
